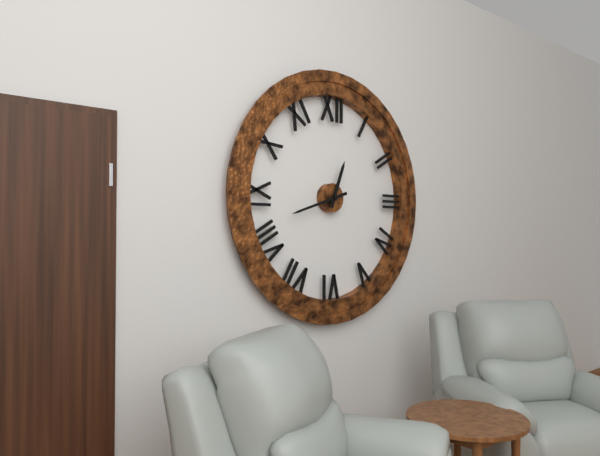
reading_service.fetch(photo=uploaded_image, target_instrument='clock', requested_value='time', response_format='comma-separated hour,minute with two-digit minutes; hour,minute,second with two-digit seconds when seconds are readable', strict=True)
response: 12,42
